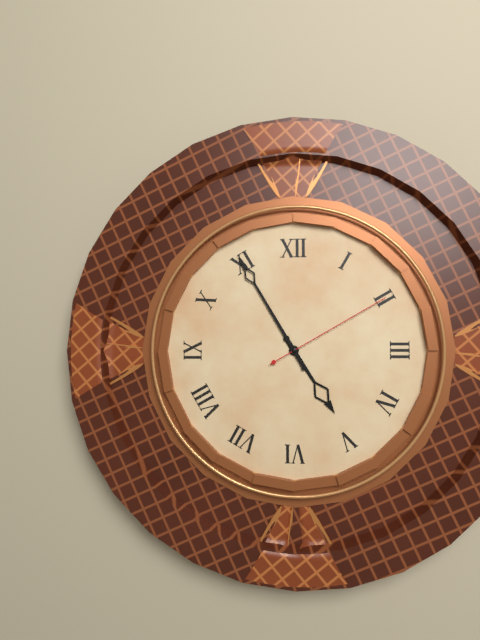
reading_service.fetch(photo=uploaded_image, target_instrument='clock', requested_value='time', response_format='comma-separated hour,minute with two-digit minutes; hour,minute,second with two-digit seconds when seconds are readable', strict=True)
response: 4,55,10
